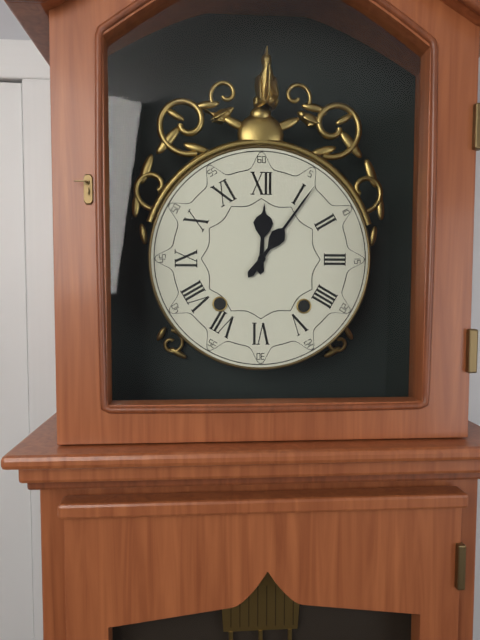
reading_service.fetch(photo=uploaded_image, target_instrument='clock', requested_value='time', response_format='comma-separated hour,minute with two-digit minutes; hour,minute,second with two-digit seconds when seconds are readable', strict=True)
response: 12,06
